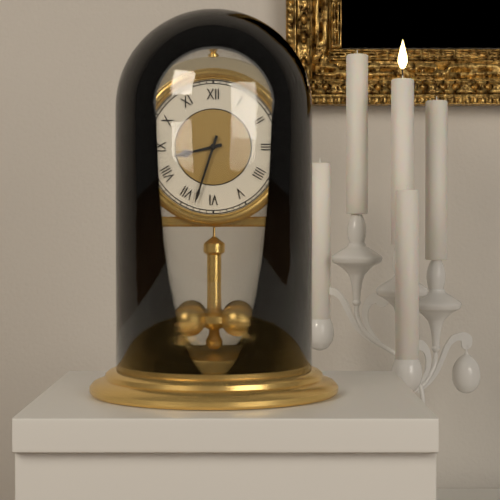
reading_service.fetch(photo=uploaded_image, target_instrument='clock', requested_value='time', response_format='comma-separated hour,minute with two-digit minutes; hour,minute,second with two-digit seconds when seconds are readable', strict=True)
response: 8,33
